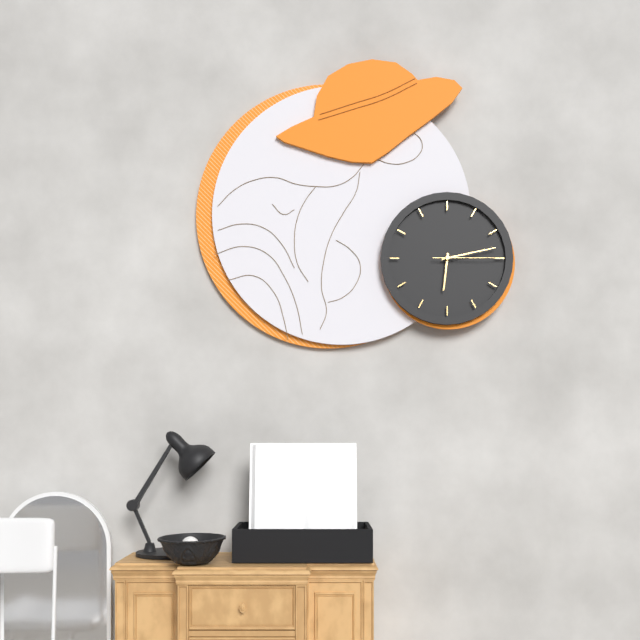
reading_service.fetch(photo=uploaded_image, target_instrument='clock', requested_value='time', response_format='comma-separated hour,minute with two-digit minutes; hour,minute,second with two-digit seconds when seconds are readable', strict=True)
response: 6,13,15
